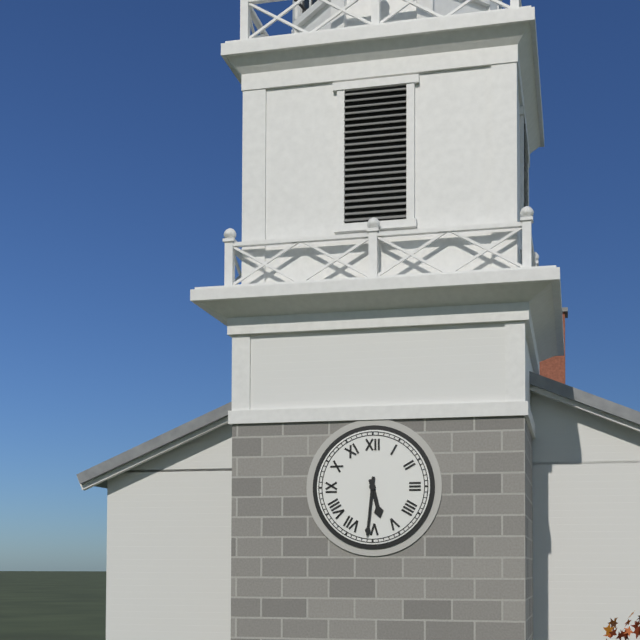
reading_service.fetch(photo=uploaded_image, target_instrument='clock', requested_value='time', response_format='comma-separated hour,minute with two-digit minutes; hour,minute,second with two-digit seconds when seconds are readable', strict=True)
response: 5,31
